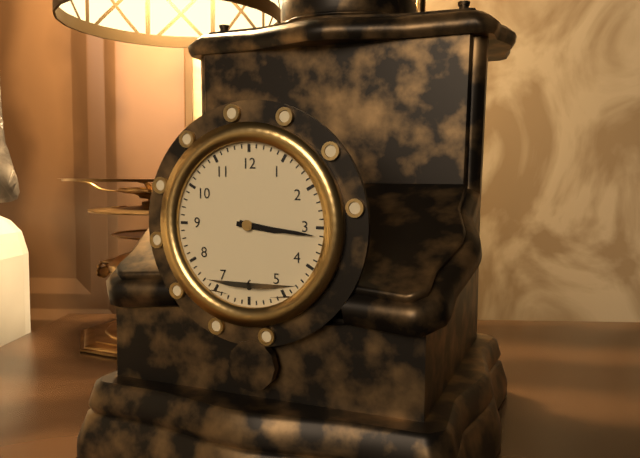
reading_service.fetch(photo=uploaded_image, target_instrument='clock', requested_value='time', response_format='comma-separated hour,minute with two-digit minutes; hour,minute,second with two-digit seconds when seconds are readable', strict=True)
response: 3,16
